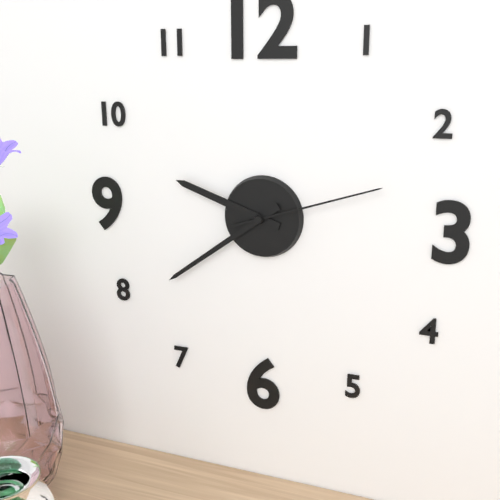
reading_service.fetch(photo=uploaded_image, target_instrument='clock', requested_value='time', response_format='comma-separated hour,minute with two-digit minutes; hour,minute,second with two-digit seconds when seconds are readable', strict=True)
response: 9,39,12
